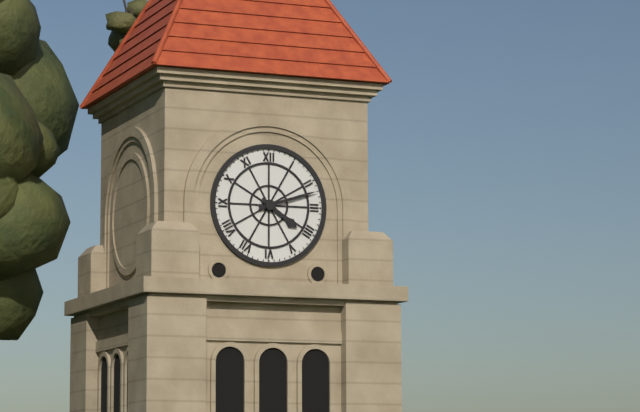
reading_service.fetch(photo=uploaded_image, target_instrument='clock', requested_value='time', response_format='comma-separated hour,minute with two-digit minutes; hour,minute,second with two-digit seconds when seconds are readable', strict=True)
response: 4,12
